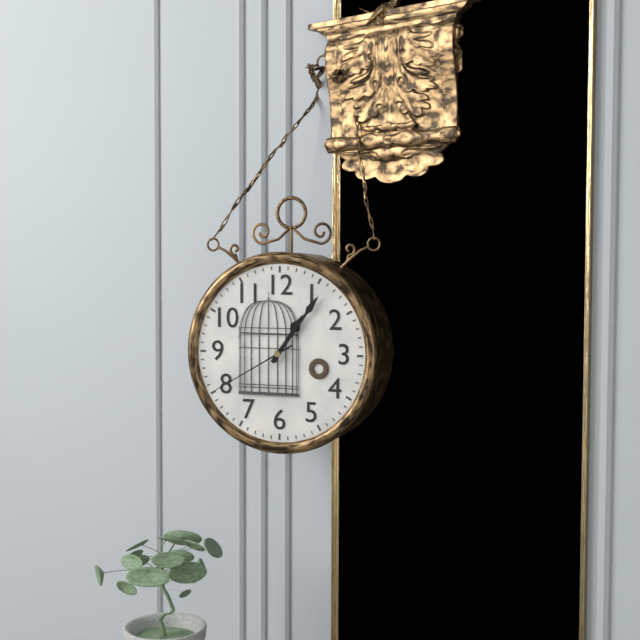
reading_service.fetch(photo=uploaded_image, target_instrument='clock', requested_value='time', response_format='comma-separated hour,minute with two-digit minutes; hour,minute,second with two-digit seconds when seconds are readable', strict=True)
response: 1,06,40
